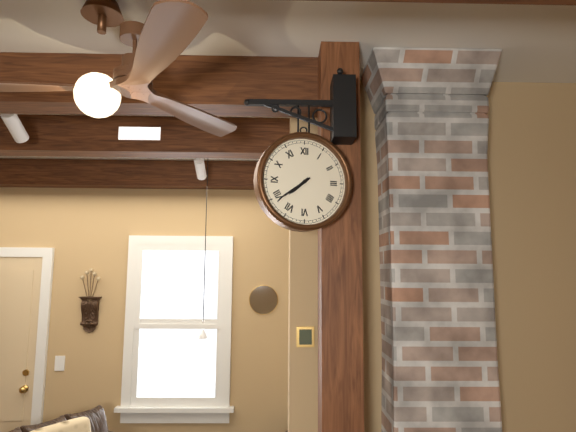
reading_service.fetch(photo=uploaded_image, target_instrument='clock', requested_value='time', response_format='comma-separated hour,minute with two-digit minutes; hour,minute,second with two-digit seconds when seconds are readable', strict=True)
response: 7,39
